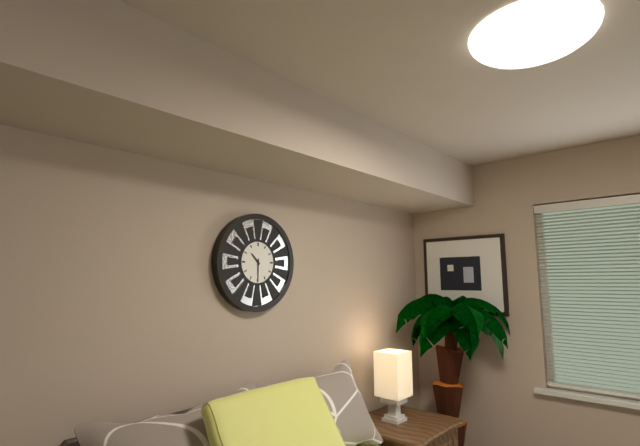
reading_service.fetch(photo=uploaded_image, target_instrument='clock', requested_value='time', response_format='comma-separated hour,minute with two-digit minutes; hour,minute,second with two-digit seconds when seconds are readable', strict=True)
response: 10,30
